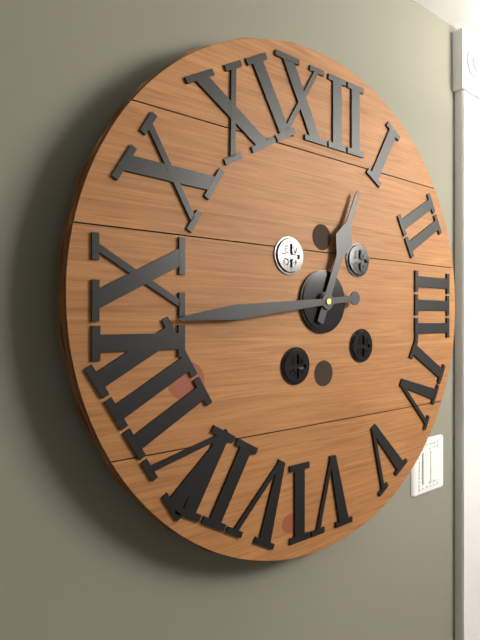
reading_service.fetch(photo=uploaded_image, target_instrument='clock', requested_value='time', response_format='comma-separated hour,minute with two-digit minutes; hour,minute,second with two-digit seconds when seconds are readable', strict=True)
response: 12,44
